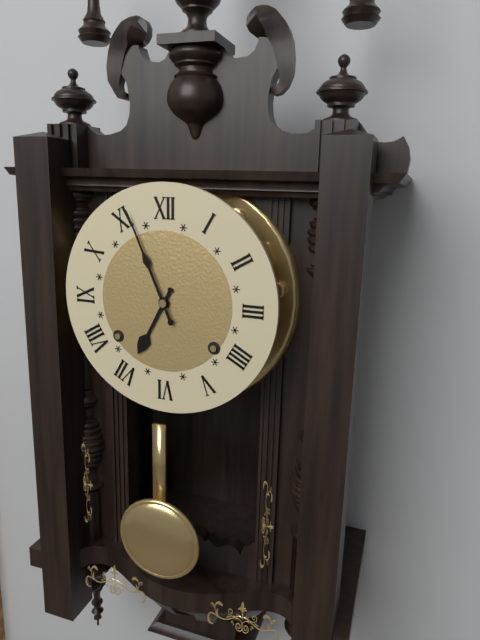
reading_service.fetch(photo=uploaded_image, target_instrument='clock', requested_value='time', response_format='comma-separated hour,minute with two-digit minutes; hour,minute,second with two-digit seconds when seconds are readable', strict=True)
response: 6,56
